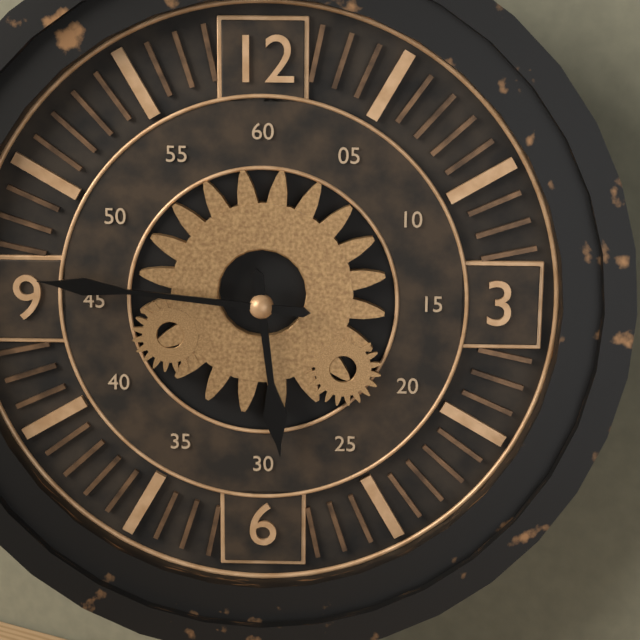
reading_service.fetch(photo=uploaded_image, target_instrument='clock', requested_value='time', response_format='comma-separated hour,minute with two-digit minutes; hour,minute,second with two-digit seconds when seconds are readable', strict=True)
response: 5,46
